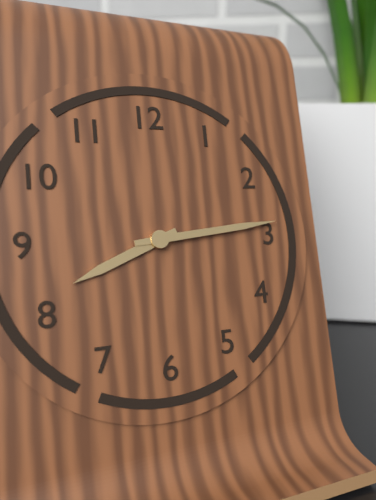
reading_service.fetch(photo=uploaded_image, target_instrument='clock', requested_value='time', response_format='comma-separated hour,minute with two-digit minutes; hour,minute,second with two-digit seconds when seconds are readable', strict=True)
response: 8,14
